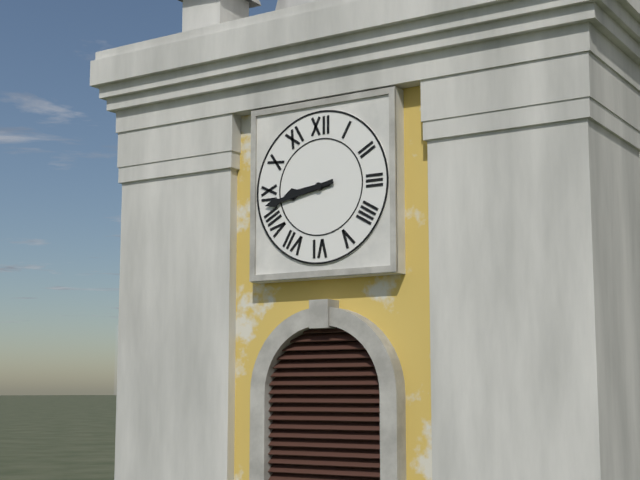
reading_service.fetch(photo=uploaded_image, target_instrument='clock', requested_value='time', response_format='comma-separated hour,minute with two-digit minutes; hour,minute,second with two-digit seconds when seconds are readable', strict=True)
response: 8,43
